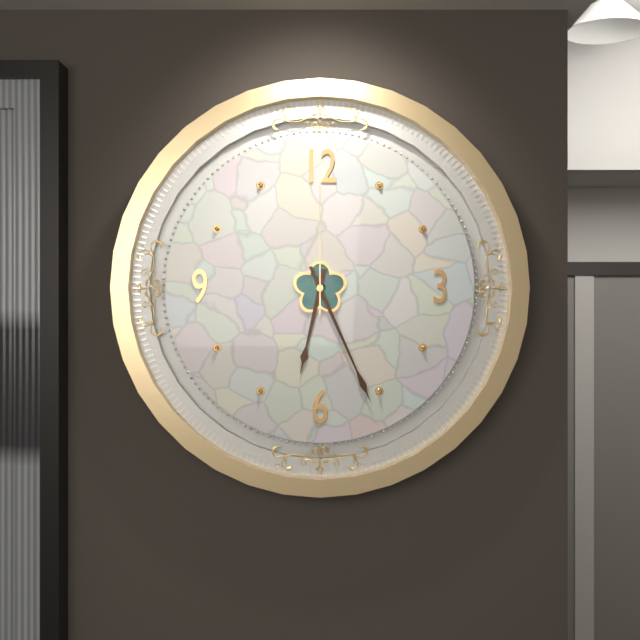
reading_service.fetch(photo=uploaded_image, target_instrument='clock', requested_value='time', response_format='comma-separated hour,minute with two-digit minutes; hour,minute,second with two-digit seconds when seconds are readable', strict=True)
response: 6,26,00
